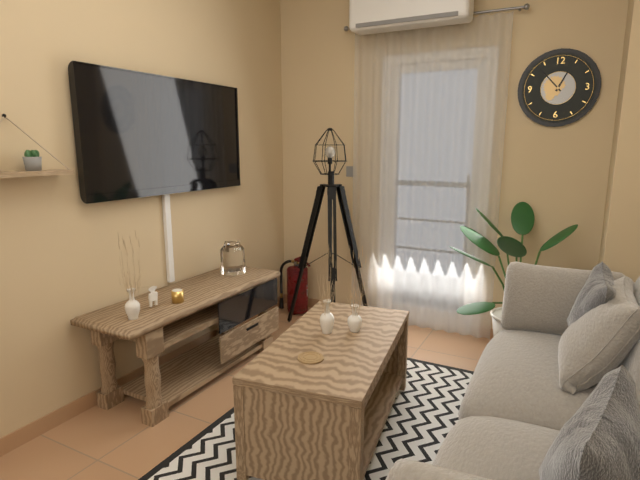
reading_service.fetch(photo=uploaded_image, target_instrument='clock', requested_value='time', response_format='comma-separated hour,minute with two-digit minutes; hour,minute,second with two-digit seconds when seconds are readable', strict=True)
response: 12,53
